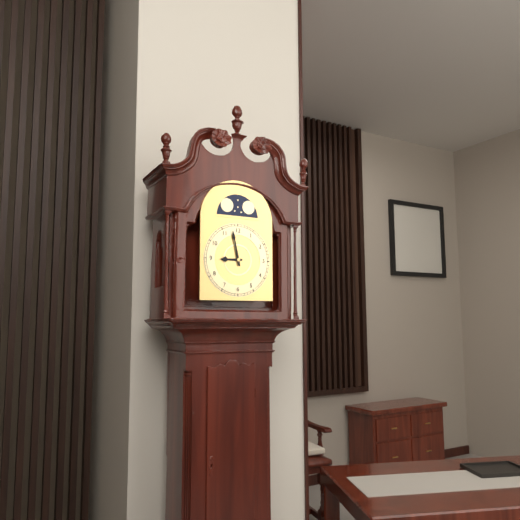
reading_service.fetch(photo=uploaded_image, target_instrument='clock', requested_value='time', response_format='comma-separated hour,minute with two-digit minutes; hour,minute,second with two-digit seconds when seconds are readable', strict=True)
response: 8,58
